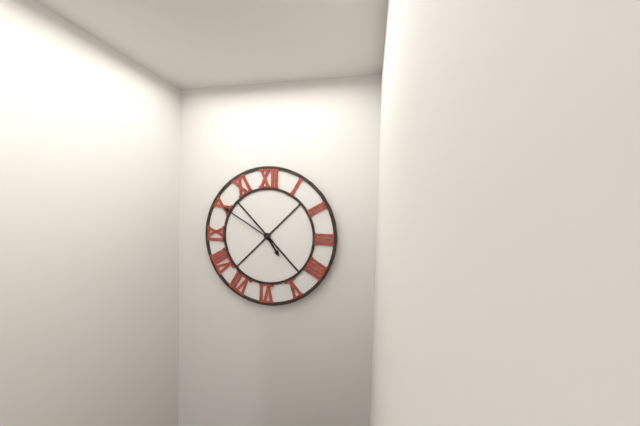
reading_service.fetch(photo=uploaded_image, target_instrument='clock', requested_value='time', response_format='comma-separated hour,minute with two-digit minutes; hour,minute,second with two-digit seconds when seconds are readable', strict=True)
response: 4,50
